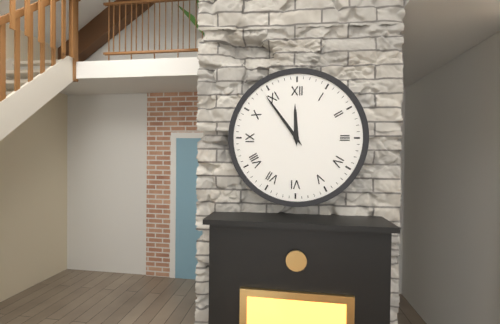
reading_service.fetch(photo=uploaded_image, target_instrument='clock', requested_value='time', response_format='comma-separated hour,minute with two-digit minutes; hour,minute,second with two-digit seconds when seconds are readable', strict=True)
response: 11,54
